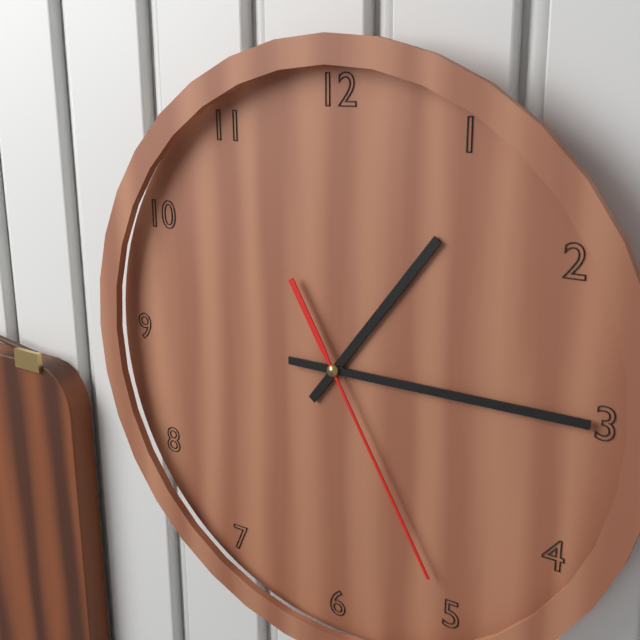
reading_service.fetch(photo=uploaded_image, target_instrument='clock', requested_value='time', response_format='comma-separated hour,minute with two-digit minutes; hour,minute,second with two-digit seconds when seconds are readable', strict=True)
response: 1,15,25
